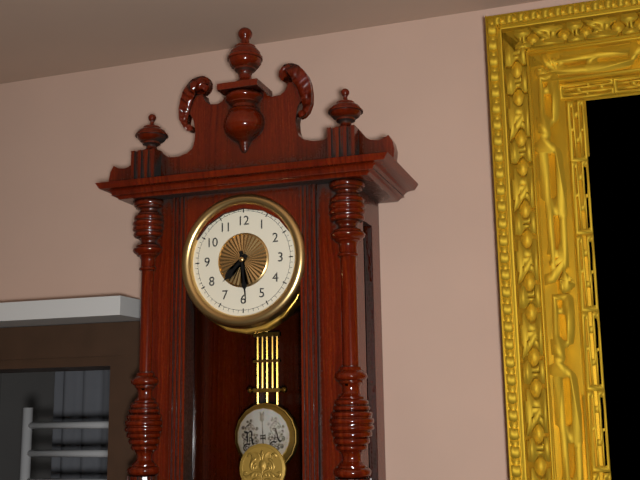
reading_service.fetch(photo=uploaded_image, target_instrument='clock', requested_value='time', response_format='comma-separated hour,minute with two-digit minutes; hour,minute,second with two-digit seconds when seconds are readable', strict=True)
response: 7,29
